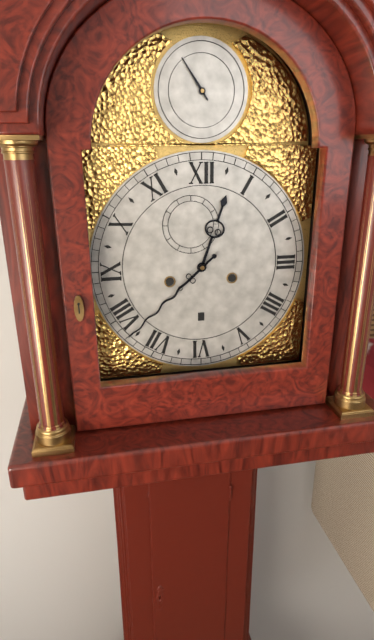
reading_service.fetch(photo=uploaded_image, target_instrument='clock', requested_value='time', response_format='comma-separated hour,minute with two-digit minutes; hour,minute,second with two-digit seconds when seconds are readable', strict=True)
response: 12,38
